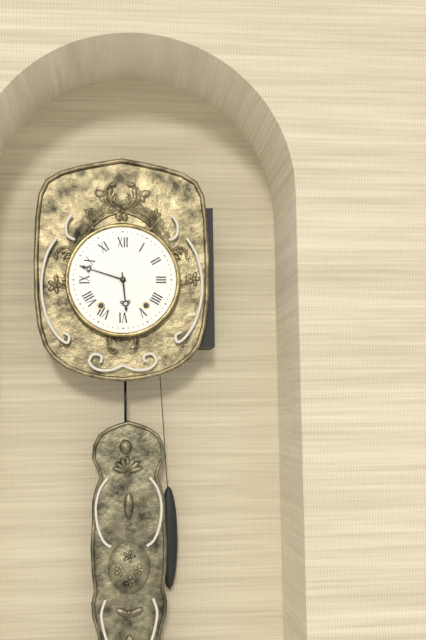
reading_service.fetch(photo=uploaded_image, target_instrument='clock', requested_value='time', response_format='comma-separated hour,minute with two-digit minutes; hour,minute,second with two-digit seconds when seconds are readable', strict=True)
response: 5,48
